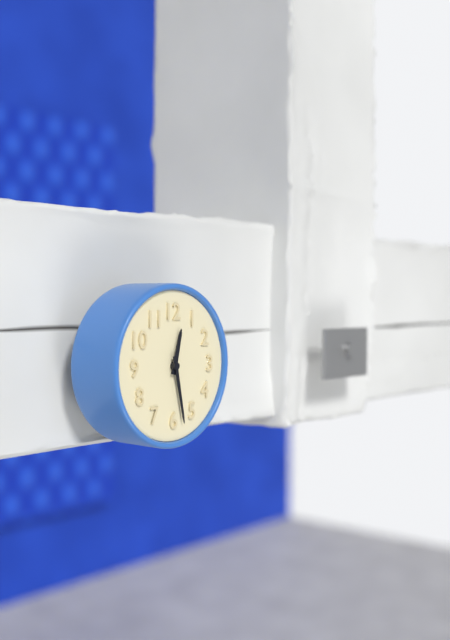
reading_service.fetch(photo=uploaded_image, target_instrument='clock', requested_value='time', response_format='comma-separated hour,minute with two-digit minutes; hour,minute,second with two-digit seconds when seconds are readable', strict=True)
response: 12,28
